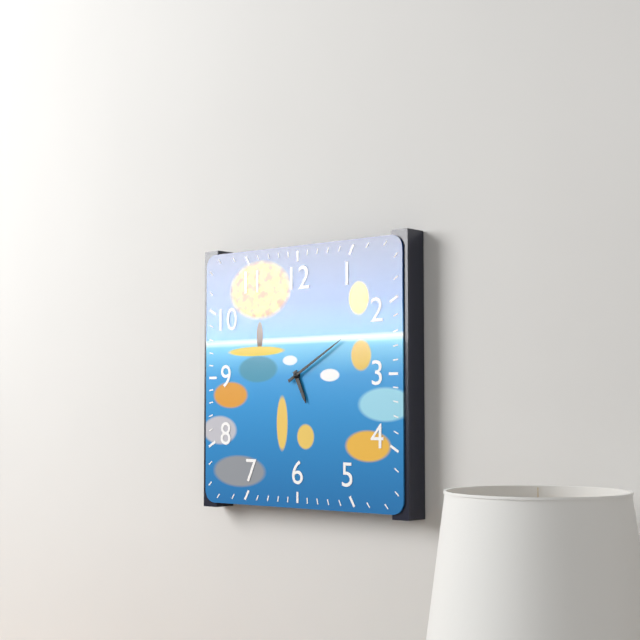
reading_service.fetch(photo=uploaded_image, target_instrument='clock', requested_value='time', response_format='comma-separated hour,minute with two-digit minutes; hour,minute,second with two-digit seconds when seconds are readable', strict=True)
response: 5,10
